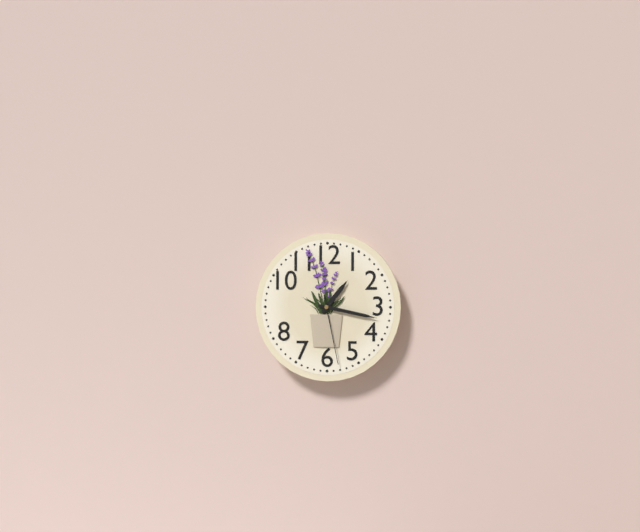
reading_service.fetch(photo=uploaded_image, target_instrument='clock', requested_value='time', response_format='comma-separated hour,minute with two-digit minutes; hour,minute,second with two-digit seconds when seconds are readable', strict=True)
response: 1,17,28
